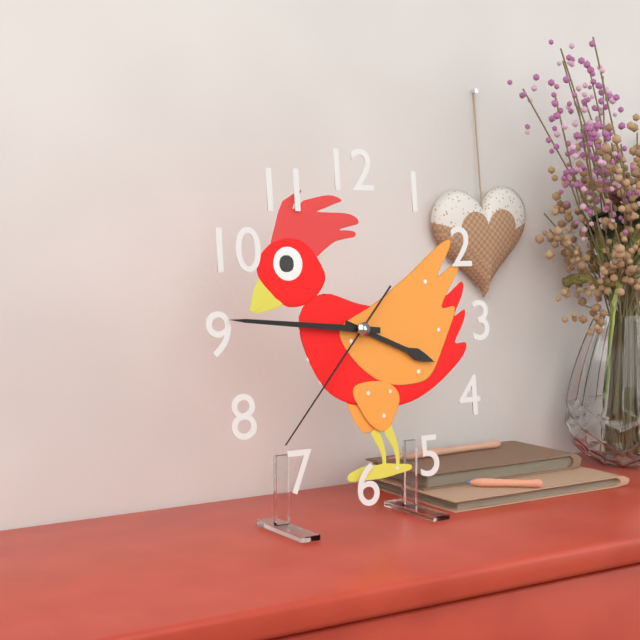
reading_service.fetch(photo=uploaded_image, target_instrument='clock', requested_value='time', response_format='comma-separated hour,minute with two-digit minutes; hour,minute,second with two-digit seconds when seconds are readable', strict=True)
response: 3,46,37
